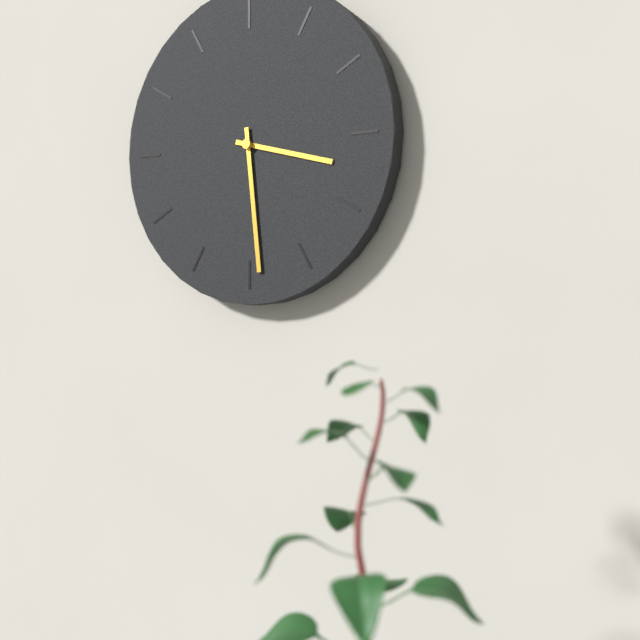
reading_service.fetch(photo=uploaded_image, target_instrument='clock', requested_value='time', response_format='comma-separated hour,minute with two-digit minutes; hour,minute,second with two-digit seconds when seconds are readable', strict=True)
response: 3,29
